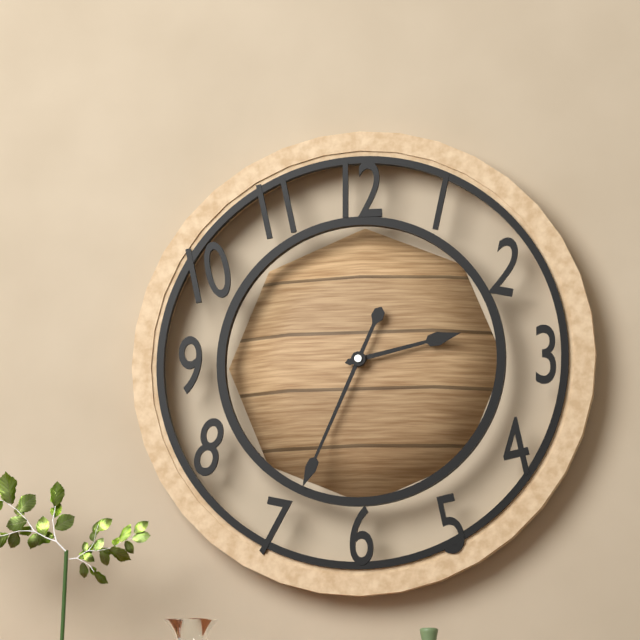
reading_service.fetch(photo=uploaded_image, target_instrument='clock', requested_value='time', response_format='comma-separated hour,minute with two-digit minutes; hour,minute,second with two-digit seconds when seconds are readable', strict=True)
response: 2,34
